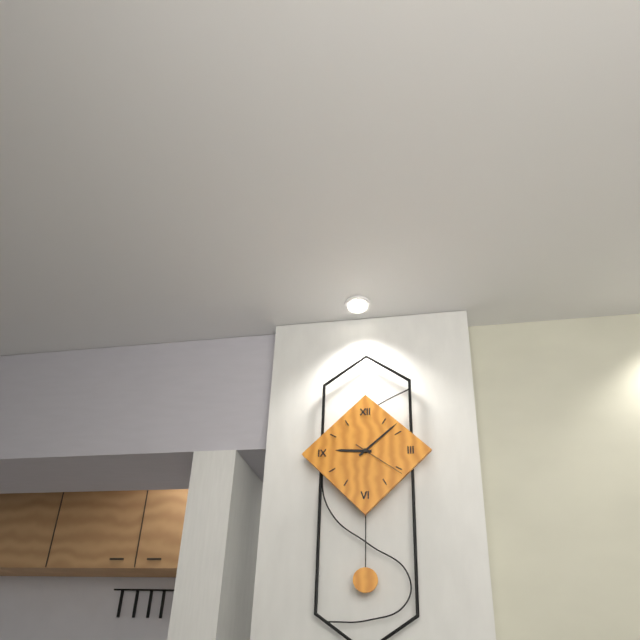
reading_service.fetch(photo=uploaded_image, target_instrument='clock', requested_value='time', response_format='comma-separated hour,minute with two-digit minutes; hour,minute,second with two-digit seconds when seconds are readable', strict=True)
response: 9,08,21
